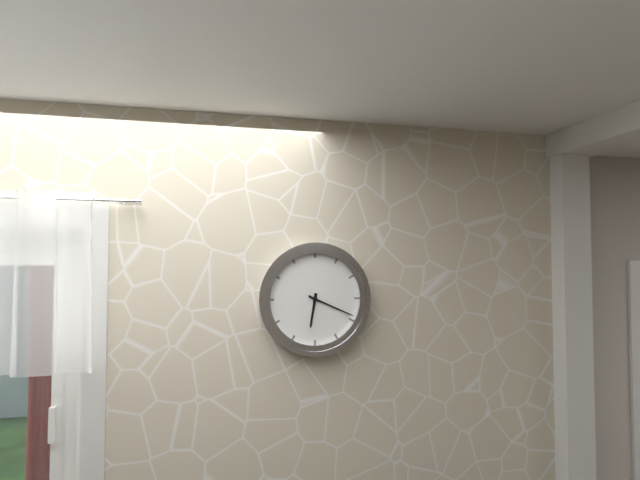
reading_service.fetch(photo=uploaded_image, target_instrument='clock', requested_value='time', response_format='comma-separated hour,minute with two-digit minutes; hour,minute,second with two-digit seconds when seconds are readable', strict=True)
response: 6,19
